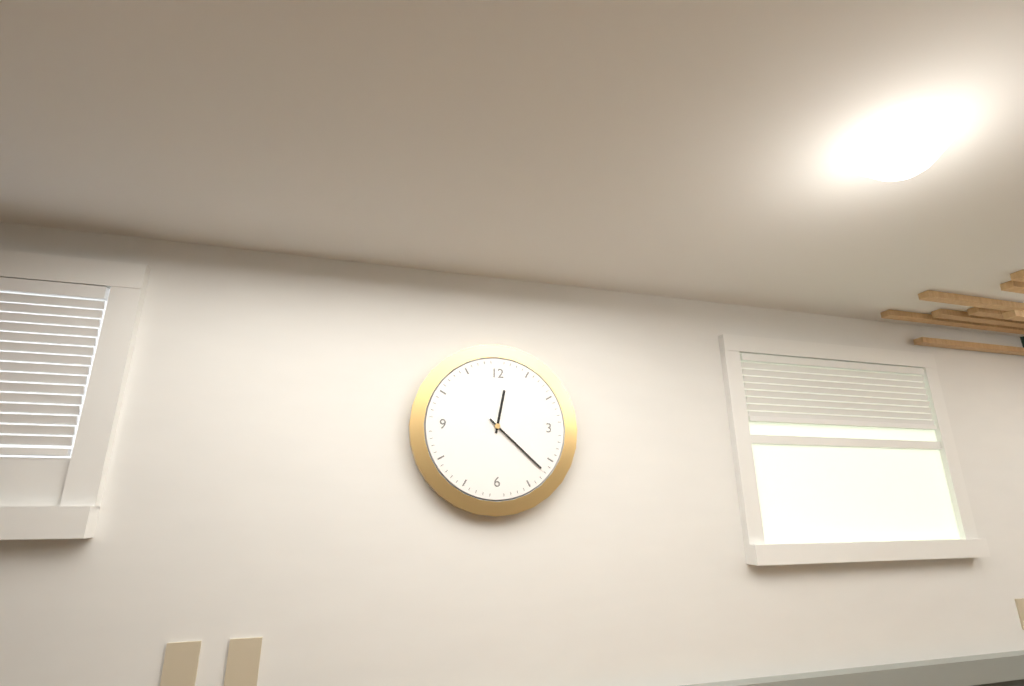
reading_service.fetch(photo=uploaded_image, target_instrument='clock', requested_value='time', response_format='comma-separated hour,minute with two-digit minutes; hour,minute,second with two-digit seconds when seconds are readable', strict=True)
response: 12,22
